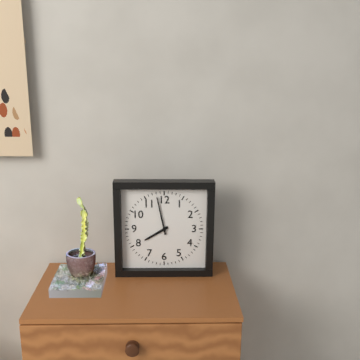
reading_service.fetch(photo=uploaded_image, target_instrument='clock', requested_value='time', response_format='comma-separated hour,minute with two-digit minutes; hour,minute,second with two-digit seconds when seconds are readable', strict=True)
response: 7,58
